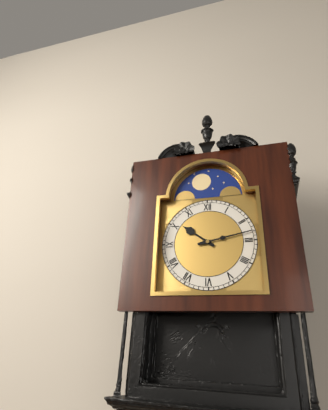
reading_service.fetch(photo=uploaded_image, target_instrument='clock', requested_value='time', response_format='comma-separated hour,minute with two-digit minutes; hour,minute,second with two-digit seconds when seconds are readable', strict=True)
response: 10,13
